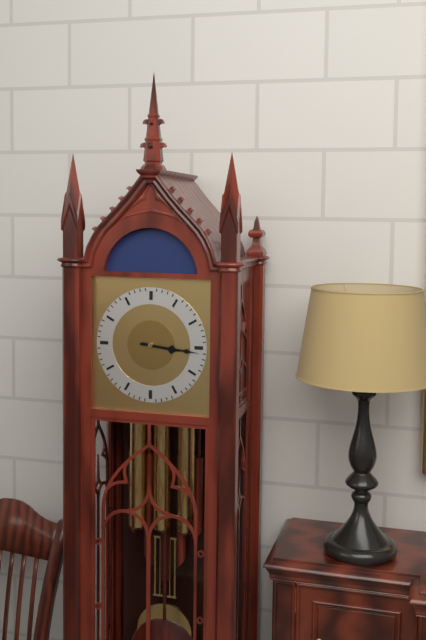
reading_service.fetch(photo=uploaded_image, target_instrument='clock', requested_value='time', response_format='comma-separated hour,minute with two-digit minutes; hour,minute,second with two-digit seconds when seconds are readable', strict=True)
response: 3,16
